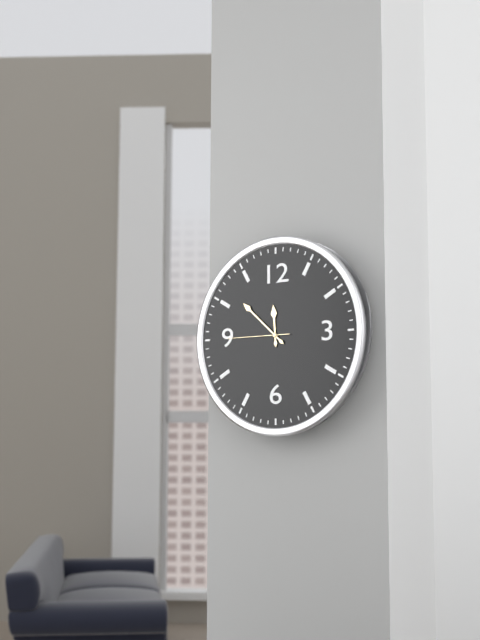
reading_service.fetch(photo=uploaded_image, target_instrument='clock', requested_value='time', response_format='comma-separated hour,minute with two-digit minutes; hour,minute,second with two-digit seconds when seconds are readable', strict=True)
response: 11,52,45
